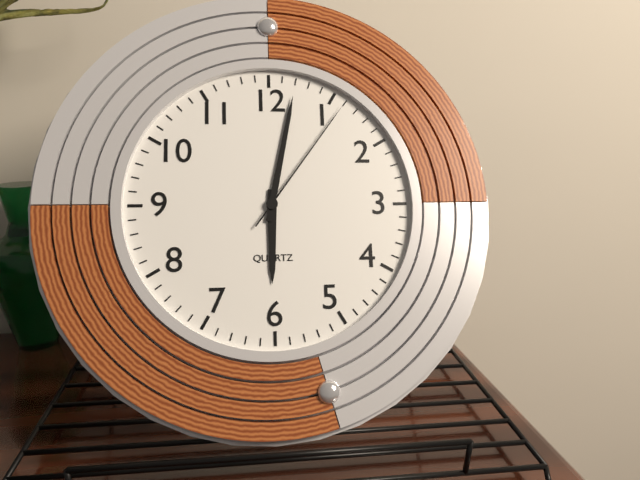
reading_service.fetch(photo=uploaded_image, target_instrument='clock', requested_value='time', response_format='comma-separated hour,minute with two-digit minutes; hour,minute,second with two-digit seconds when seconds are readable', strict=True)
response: 6,02,06
